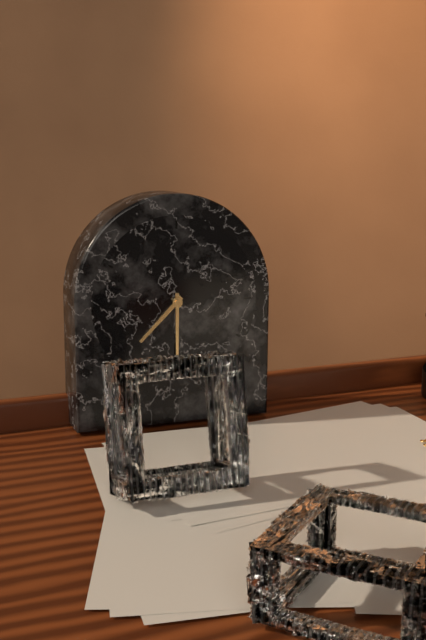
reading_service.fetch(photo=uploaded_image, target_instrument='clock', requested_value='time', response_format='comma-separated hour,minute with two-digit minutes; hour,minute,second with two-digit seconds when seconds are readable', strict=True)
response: 7,30
